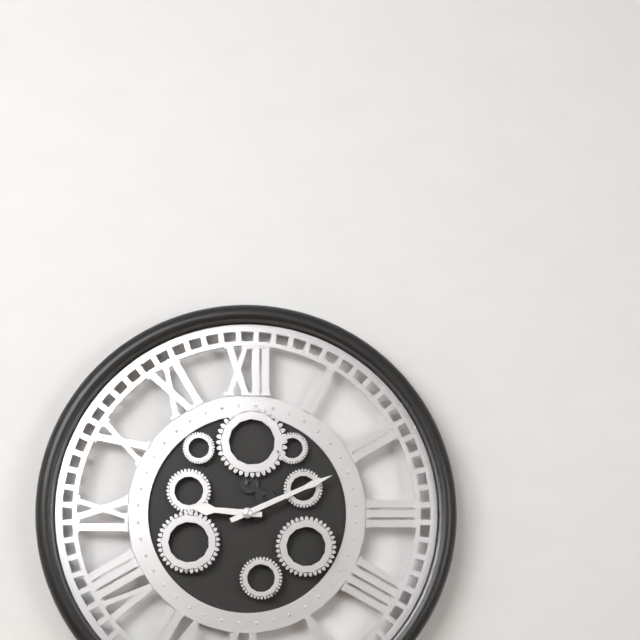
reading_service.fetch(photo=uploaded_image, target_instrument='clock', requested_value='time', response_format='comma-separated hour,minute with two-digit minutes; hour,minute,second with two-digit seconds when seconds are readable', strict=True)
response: 9,11
